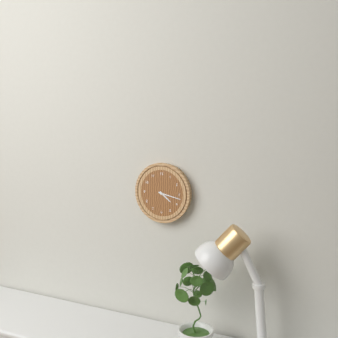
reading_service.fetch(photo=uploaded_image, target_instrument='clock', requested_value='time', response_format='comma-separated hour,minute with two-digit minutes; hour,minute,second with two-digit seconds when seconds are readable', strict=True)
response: 4,17
